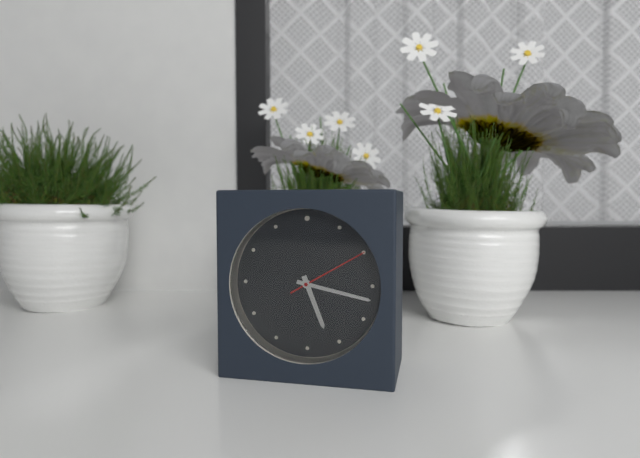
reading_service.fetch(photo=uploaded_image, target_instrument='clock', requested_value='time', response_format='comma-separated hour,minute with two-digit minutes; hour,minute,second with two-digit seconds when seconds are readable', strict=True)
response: 5,17,10
